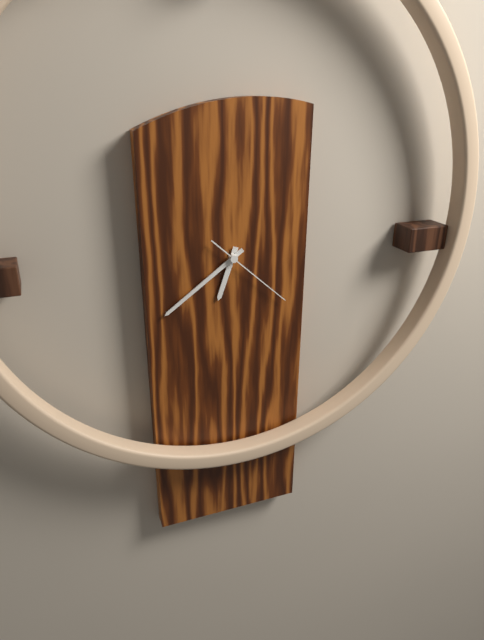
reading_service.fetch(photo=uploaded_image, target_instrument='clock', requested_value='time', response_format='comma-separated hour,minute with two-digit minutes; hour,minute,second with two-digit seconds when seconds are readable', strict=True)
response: 6,39,22
